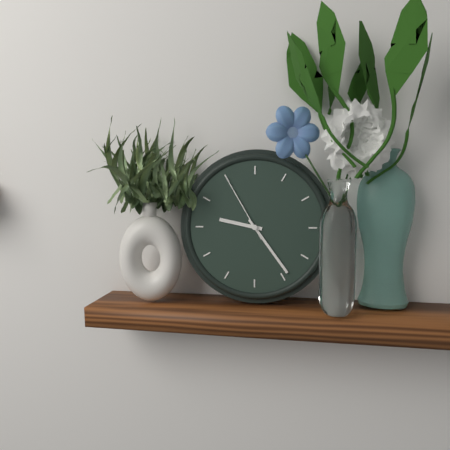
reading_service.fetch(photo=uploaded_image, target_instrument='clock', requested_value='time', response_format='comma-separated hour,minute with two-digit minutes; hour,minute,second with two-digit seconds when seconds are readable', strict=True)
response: 9,24,55
